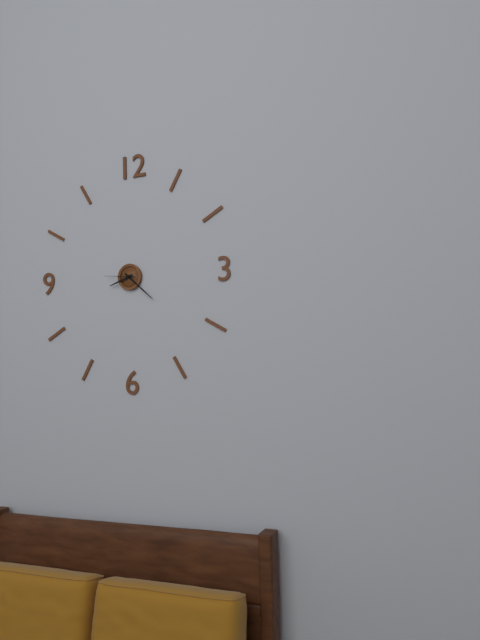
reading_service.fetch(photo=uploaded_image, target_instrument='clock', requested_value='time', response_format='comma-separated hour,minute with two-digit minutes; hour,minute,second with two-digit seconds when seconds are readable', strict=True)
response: 8,22
